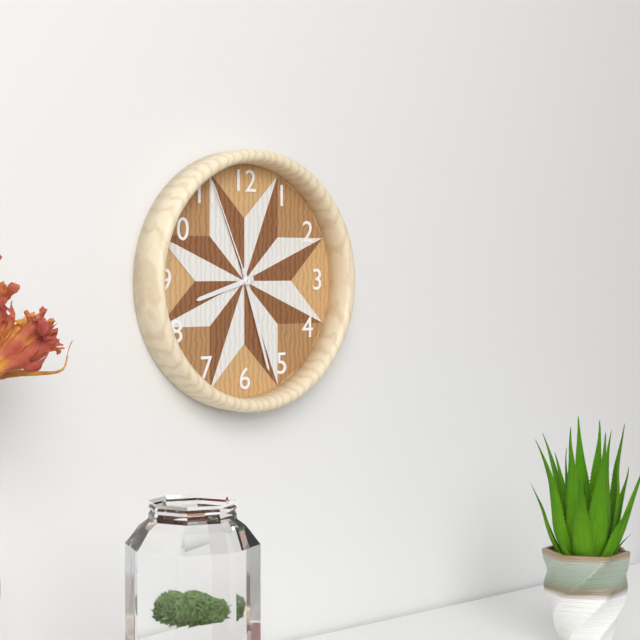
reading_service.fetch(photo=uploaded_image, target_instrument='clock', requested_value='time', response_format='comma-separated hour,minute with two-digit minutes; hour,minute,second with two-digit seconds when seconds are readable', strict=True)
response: 8,27,56
